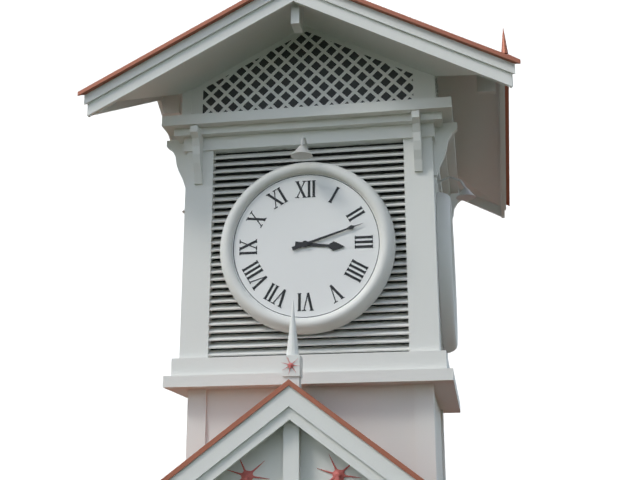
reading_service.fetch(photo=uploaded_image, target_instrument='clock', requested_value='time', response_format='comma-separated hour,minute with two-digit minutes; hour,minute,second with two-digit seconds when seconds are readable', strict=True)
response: 3,12
